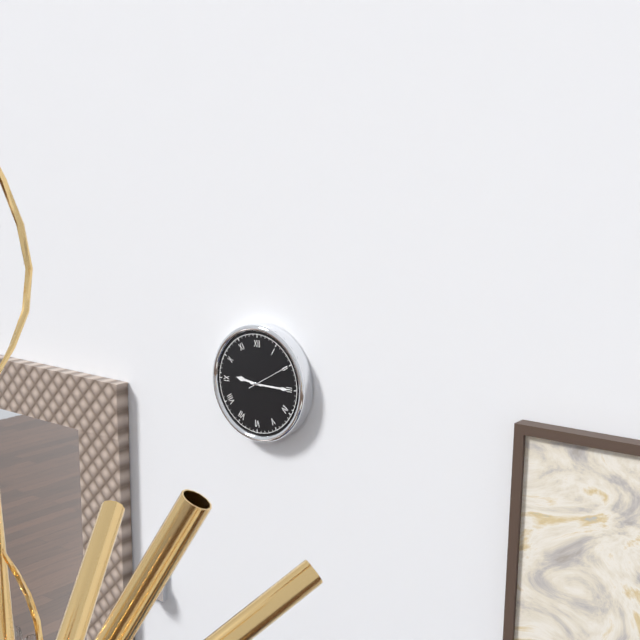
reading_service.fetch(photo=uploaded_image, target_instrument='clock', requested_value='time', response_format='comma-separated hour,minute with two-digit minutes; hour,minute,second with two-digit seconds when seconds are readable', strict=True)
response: 9,15
